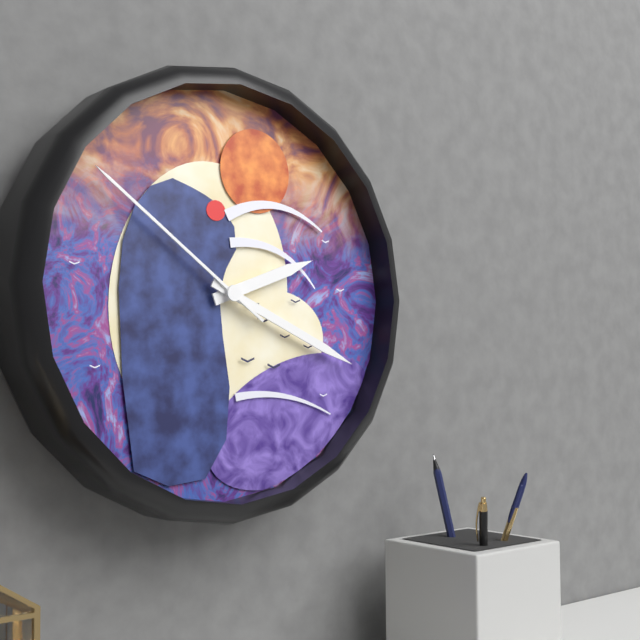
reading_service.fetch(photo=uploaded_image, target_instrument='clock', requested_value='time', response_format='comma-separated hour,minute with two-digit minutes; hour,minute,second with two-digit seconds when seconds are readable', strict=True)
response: 2,19,51
